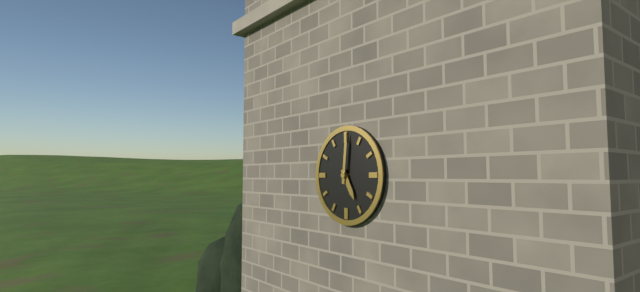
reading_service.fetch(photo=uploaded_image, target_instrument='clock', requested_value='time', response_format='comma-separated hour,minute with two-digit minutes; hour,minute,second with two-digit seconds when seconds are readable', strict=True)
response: 5,01
